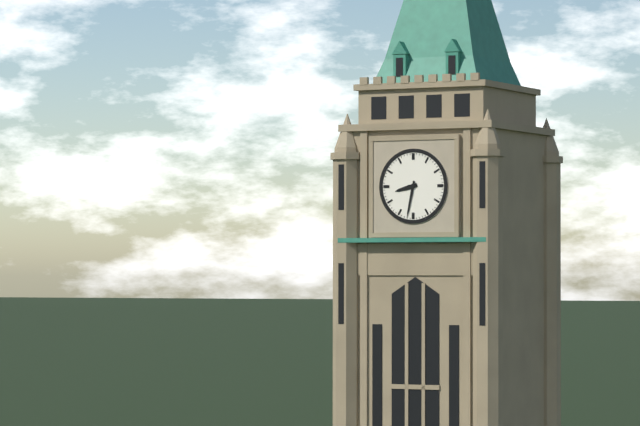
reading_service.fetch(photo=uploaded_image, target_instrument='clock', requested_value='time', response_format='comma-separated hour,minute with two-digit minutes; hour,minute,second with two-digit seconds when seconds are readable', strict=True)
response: 8,32
